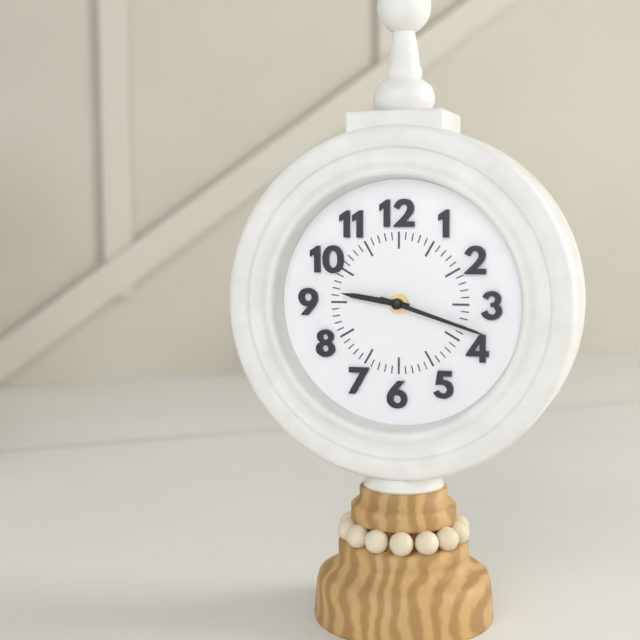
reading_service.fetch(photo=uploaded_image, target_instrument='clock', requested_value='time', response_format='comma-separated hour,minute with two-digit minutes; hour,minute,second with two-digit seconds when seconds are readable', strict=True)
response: 9,18
